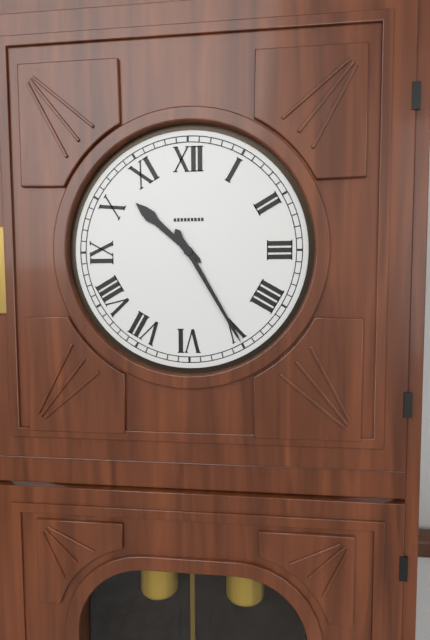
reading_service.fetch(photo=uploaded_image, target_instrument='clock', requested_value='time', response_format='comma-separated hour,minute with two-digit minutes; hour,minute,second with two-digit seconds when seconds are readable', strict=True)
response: 10,25
